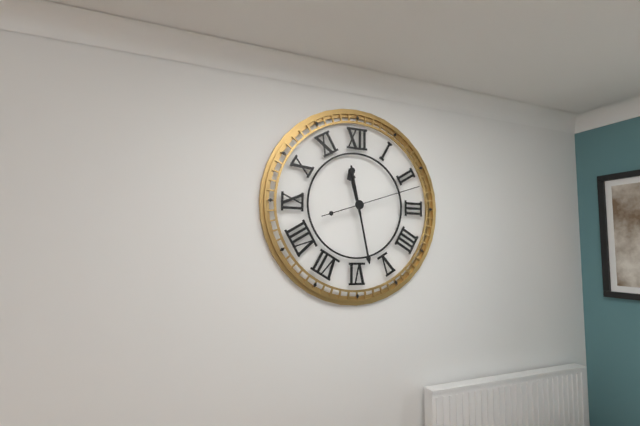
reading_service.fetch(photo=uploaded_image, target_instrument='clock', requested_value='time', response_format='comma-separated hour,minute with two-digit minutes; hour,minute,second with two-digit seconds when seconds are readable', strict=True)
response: 11,28,12
